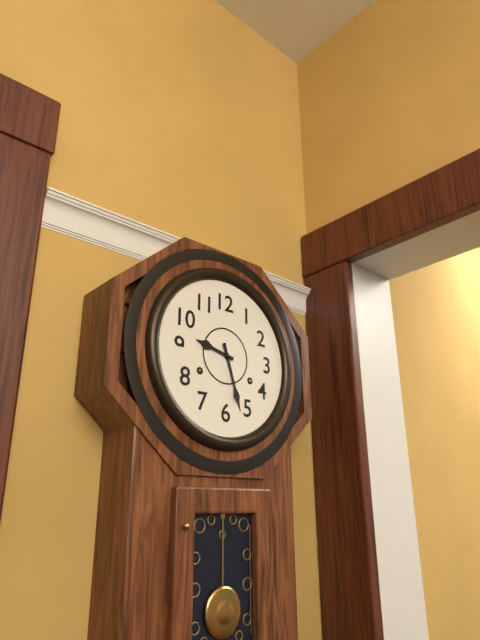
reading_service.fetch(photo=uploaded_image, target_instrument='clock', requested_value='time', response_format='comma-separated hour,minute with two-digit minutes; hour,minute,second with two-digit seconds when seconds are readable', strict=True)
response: 9,27
